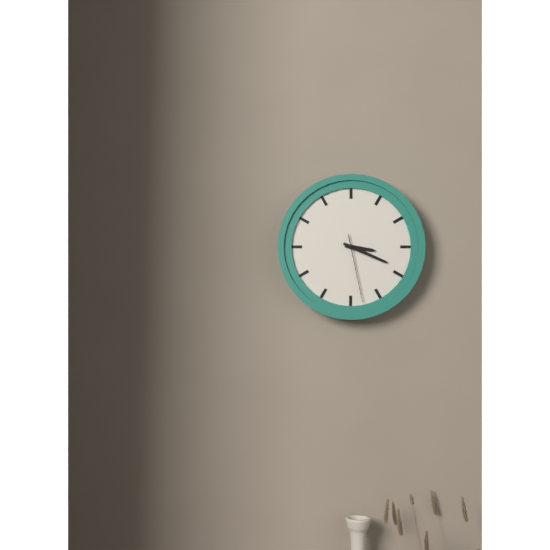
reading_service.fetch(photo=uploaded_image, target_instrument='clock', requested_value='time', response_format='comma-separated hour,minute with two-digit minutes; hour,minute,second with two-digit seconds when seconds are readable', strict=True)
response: 3,19,28
